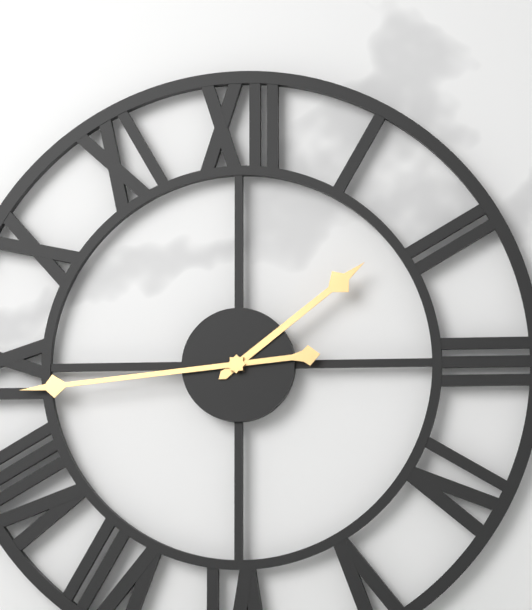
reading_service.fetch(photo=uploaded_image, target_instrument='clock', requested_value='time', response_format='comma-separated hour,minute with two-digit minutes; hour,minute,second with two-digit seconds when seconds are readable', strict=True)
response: 1,44
